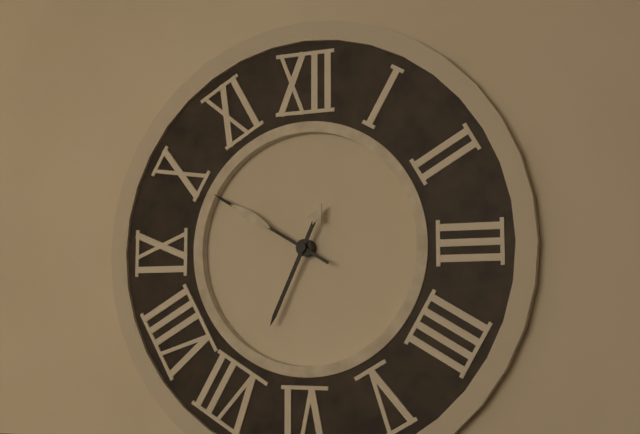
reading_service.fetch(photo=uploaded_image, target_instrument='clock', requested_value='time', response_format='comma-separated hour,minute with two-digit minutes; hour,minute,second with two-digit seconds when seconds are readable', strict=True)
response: 6,50
